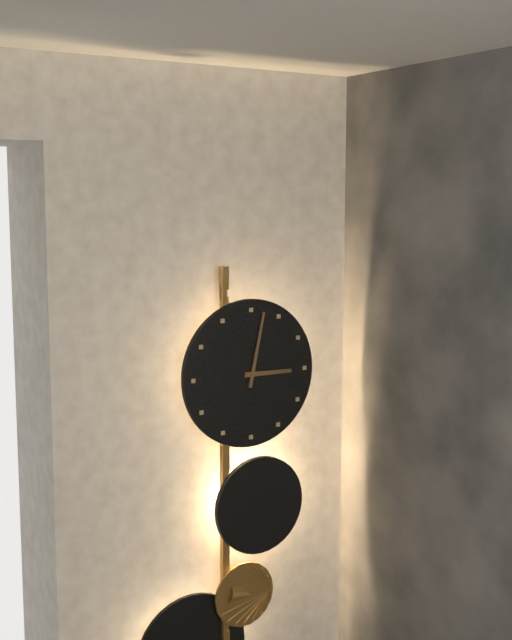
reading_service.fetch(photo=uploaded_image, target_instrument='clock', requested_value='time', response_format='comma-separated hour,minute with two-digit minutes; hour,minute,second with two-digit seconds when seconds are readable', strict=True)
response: 3,02
